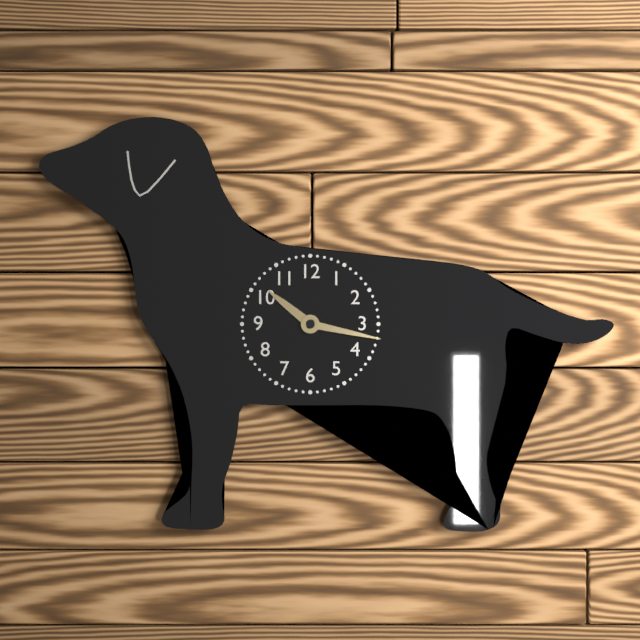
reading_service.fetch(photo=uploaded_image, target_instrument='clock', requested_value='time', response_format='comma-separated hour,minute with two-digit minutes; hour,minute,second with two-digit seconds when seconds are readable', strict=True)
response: 10,17
